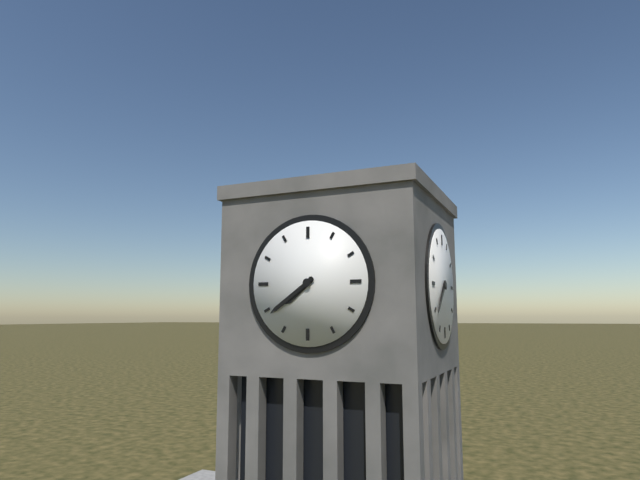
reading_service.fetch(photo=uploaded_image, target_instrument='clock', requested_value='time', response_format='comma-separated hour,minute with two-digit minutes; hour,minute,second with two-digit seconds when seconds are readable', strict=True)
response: 7,39
